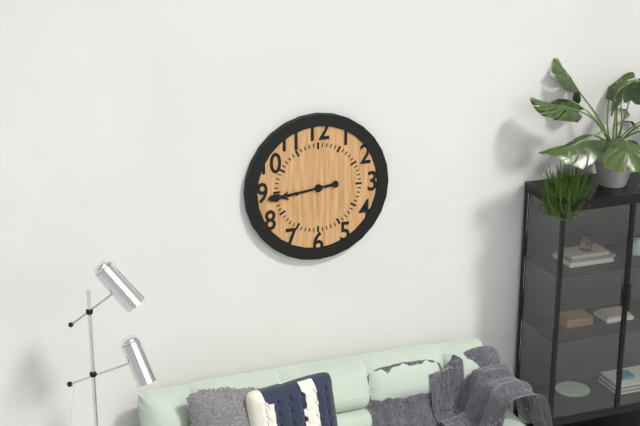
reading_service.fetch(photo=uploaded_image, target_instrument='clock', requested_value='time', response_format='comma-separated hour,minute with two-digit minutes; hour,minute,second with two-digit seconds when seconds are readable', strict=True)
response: 8,44
